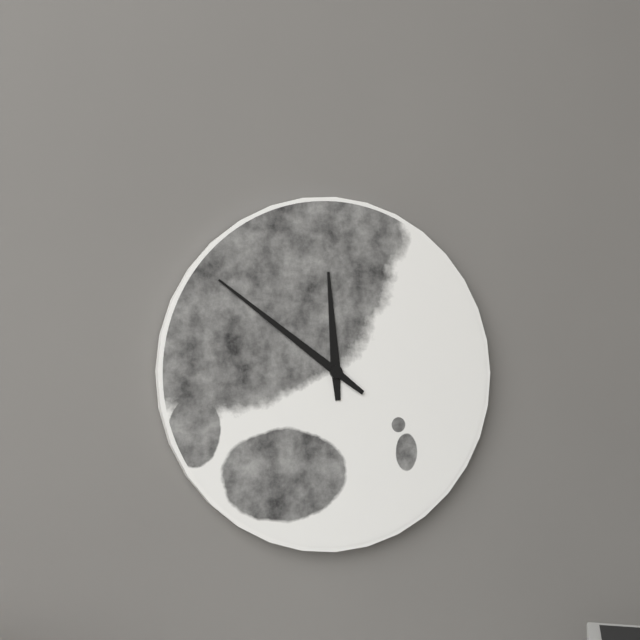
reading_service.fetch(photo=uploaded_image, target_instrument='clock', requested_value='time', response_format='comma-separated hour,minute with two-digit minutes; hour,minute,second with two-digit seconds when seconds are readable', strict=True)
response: 11,51
